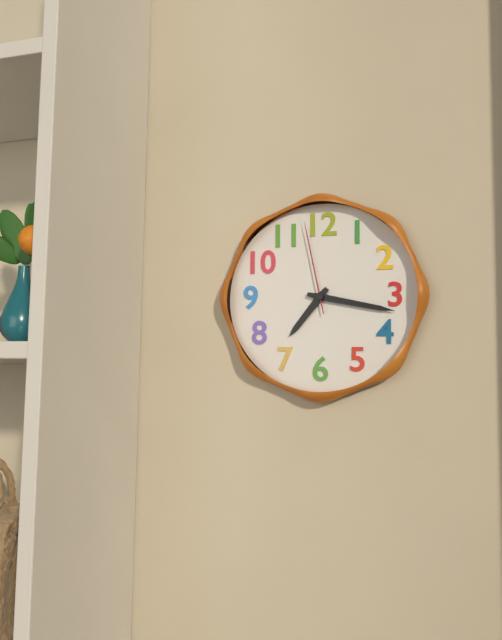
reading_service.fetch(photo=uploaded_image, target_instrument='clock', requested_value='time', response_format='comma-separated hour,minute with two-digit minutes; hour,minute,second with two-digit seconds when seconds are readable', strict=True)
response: 7,17,58
